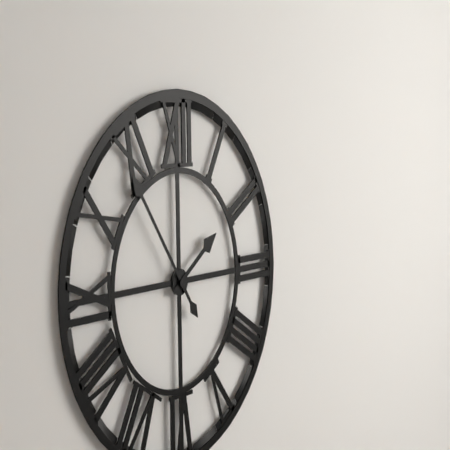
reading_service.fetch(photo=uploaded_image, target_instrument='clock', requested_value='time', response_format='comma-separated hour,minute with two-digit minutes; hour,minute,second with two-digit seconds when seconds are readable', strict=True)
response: 1,54
